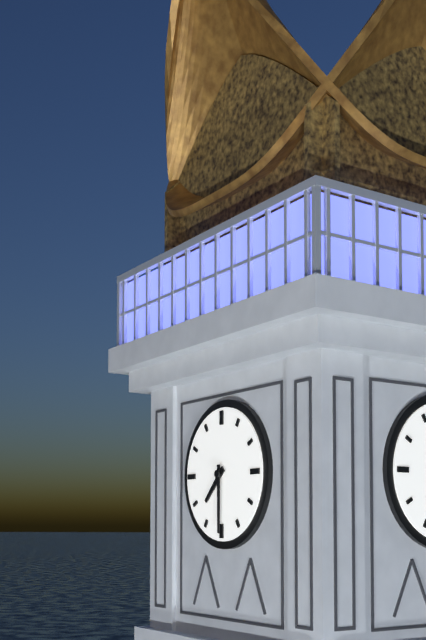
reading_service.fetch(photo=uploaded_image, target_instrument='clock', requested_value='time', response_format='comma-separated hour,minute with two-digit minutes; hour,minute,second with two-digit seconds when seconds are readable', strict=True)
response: 7,30
